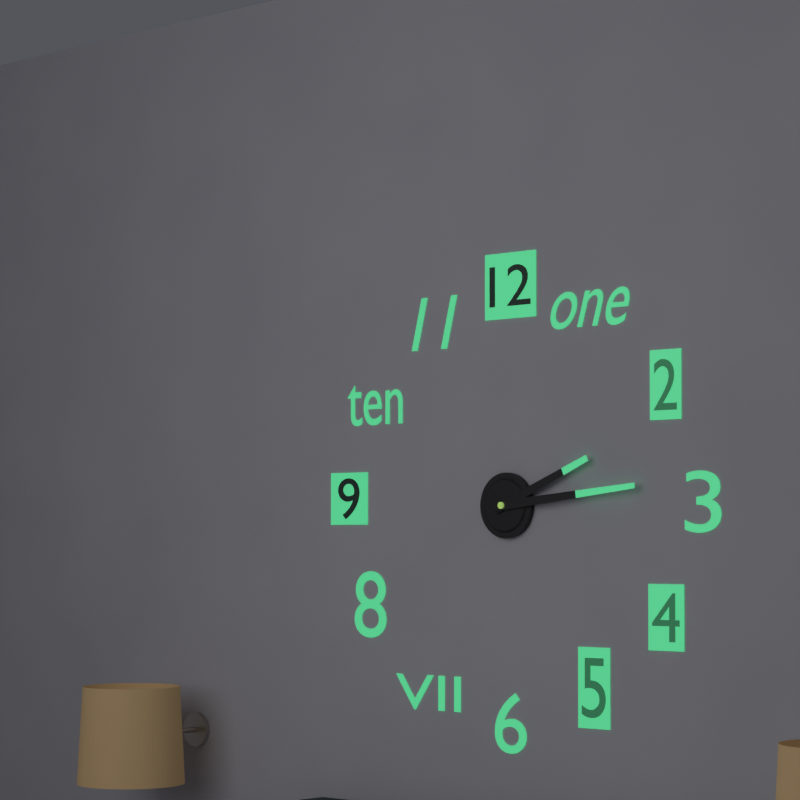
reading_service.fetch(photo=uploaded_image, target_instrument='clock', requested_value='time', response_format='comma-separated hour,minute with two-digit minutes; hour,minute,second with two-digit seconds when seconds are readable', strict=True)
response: 2,14
